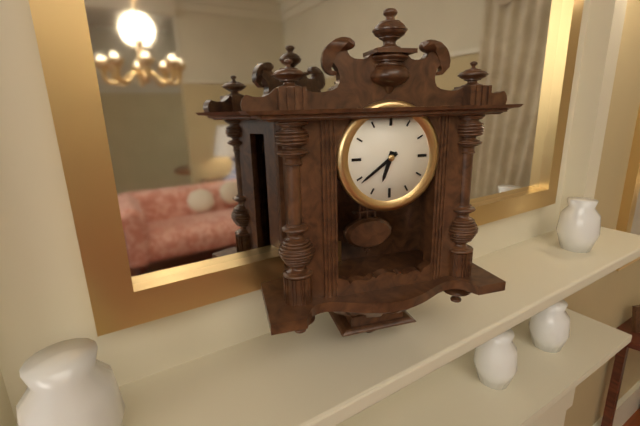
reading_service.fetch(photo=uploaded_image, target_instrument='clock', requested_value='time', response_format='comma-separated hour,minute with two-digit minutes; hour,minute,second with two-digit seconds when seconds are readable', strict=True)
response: 6,39
